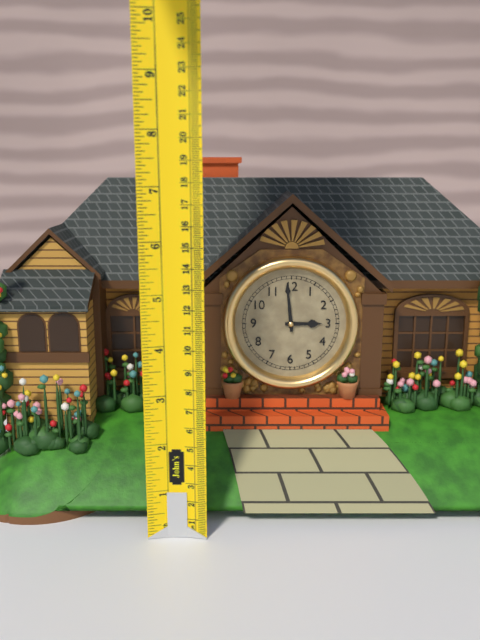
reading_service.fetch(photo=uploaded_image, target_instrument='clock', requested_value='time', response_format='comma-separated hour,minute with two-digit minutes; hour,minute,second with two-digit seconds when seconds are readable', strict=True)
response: 2,59
